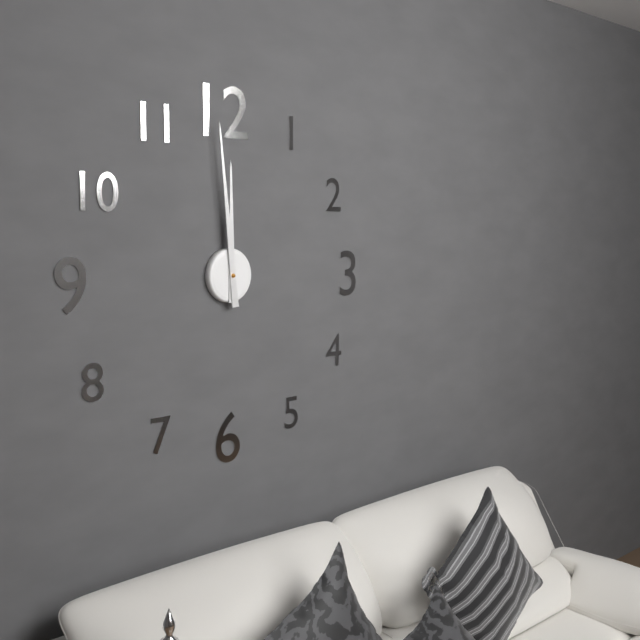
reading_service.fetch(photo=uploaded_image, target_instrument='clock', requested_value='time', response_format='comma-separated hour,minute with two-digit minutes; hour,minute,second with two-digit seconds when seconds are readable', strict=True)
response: 11,59
